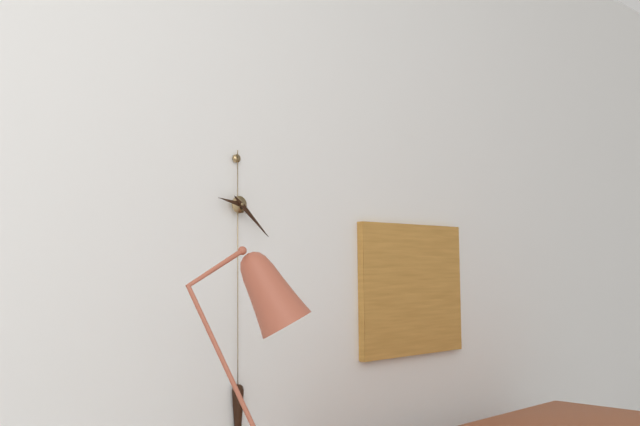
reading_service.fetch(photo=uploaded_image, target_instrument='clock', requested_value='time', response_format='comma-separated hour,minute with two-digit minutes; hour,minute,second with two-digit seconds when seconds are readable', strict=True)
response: 9,22
